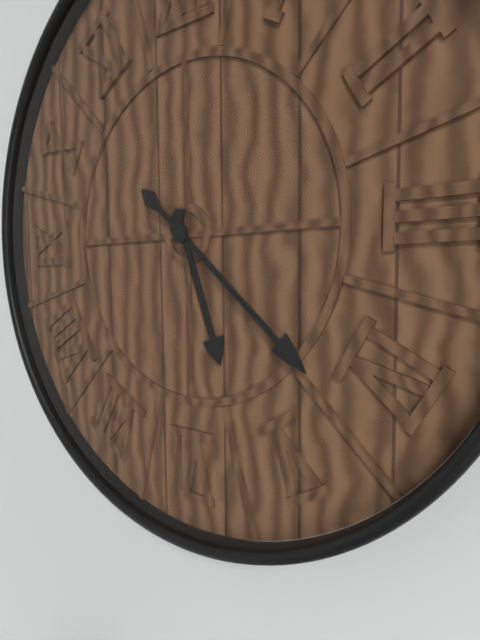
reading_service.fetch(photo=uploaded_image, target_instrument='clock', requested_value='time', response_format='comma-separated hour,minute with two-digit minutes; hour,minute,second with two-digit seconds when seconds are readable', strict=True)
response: 5,22
